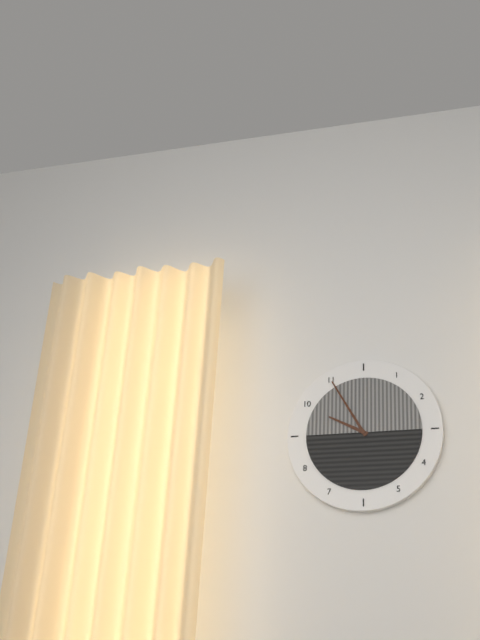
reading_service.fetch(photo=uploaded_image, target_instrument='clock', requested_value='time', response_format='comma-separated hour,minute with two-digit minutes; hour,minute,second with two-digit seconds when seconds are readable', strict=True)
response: 9,55
